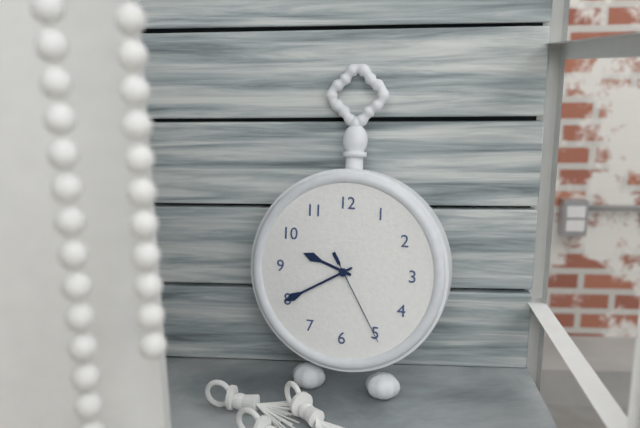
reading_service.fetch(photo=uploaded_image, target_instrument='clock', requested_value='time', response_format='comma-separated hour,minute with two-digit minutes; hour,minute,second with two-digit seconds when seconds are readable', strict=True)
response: 9,40,25
